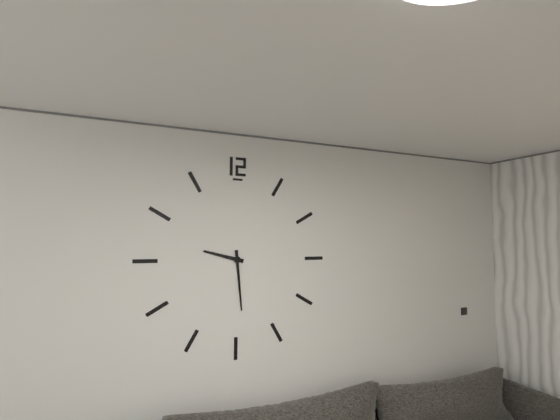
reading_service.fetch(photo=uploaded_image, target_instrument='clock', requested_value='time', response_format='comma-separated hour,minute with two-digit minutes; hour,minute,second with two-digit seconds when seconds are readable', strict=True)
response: 9,29
